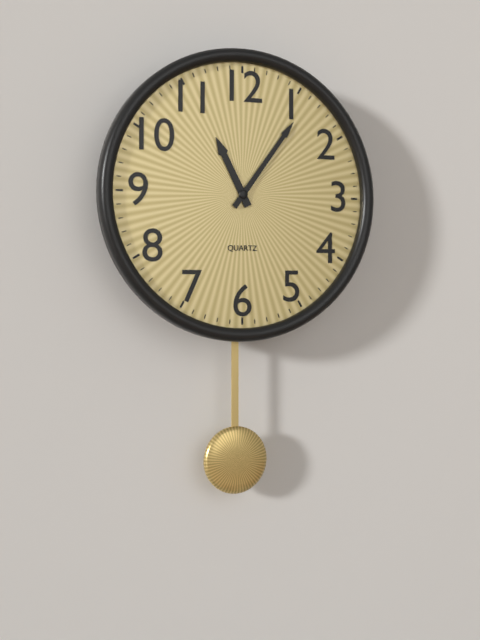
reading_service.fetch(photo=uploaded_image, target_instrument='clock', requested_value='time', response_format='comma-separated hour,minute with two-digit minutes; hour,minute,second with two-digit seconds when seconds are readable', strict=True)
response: 11,06
